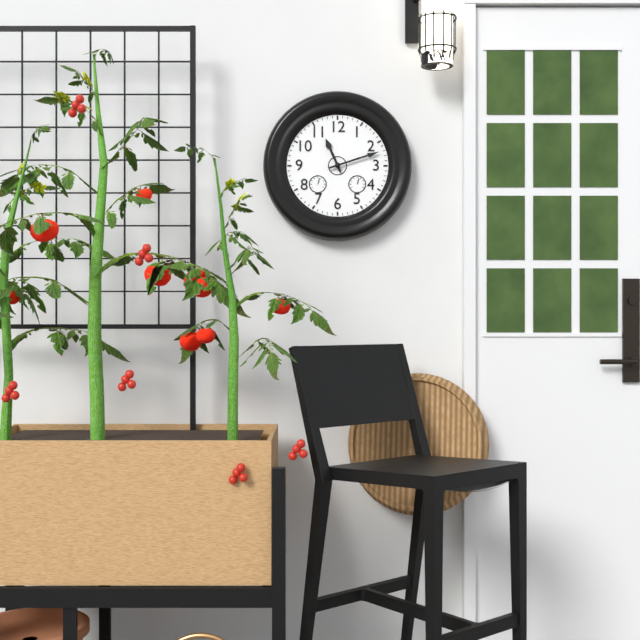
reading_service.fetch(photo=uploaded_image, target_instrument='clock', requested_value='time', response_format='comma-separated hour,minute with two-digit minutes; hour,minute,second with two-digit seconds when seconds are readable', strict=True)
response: 11,12
